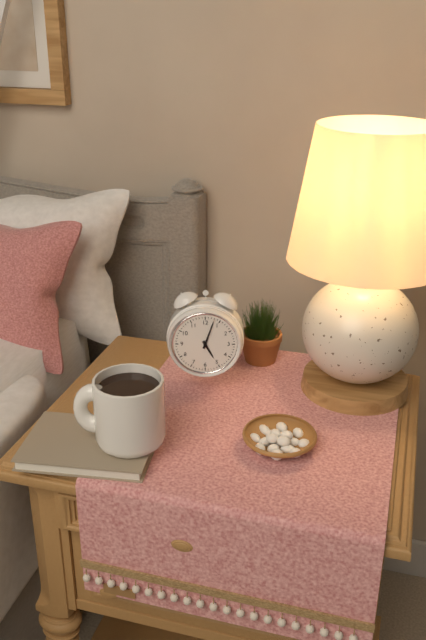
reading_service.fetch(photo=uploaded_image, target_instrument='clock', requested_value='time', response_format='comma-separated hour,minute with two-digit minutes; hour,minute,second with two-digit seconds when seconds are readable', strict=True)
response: 5,03
